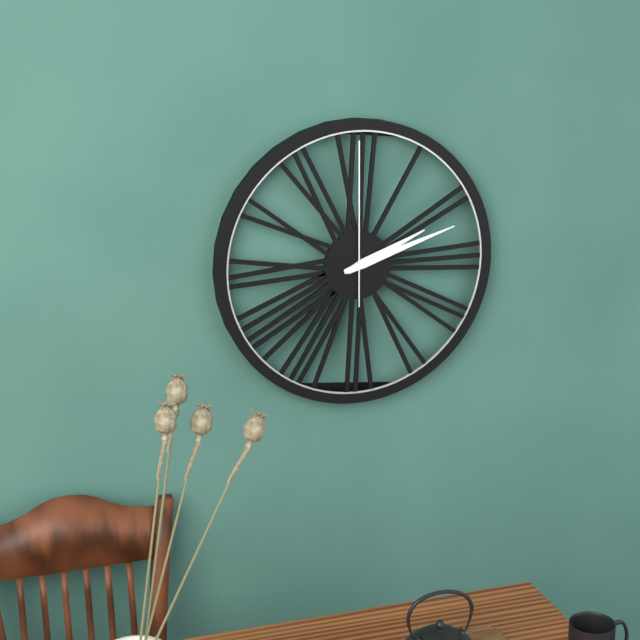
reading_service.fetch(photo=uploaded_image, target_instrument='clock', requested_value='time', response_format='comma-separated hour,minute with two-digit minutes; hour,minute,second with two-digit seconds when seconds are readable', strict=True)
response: 2,12,00
